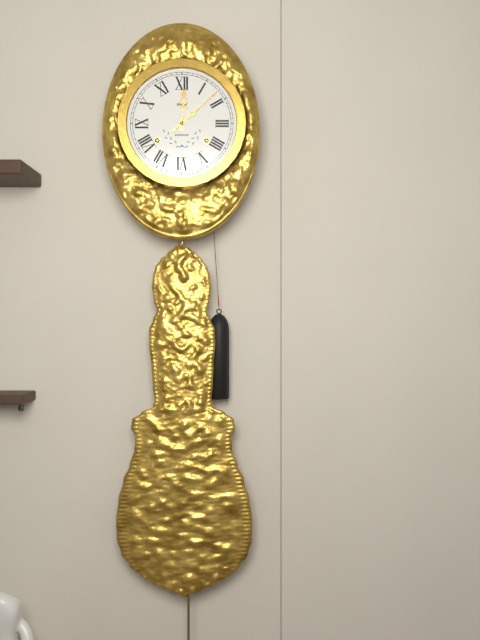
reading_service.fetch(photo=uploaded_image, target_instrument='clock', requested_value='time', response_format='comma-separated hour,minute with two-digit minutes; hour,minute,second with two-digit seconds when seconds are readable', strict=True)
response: 12,08
